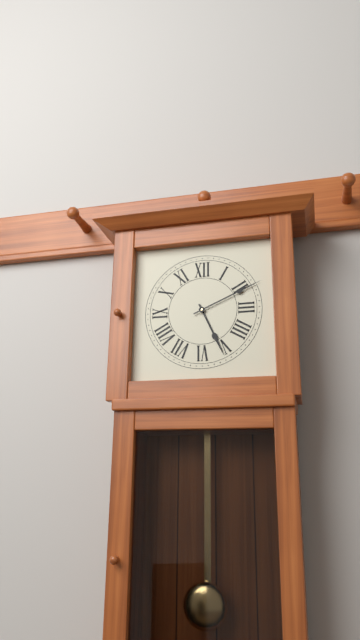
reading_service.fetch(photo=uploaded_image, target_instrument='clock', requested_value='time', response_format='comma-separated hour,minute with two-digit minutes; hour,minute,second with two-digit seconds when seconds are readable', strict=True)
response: 5,11
